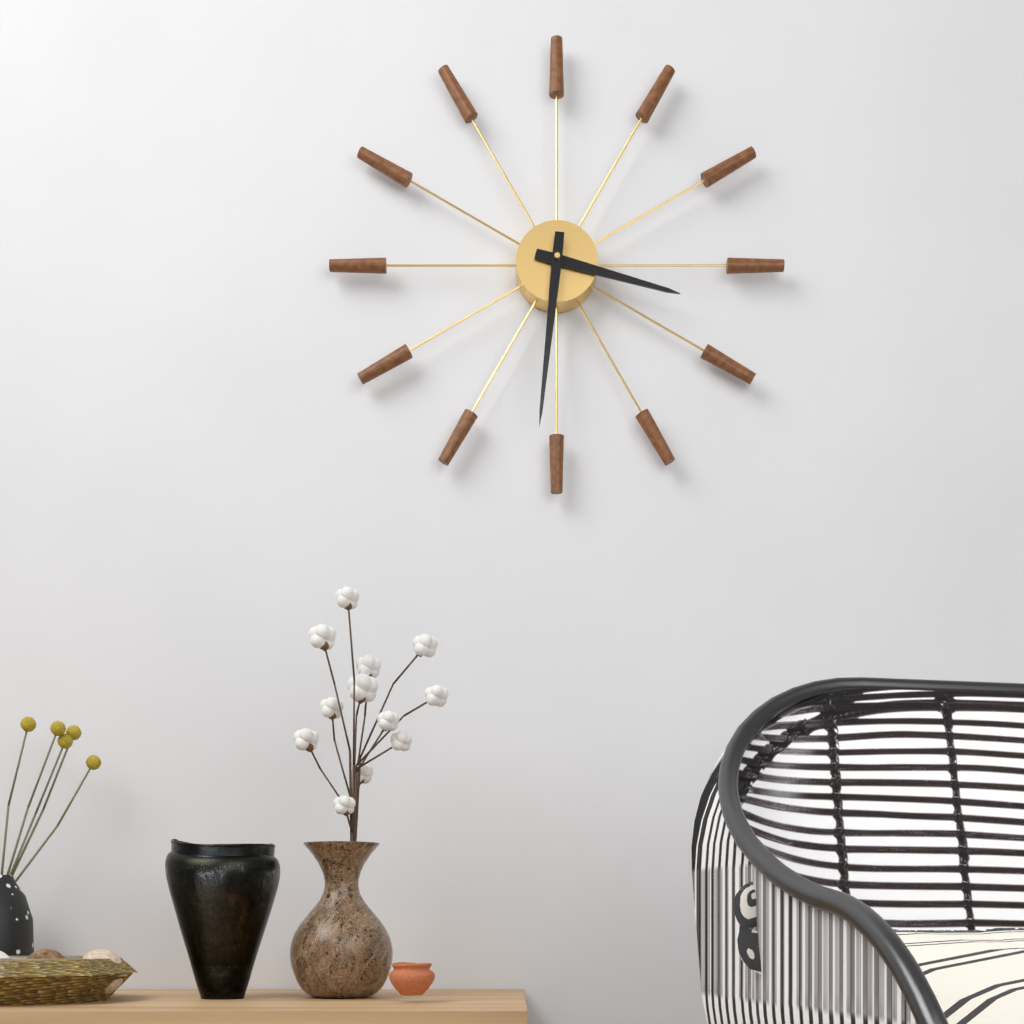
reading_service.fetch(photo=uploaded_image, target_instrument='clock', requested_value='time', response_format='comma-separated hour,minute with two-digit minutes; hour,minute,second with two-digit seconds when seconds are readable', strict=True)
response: 3,31
